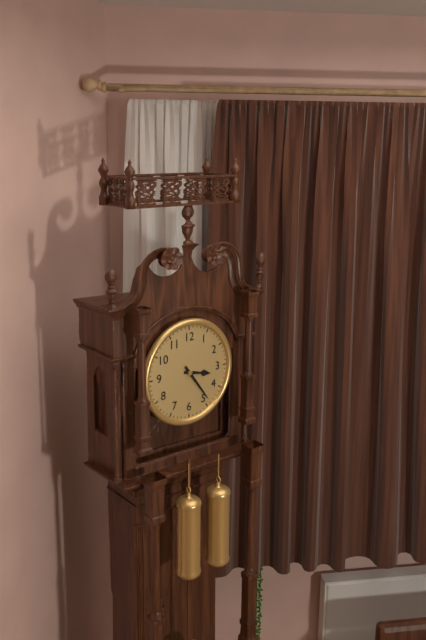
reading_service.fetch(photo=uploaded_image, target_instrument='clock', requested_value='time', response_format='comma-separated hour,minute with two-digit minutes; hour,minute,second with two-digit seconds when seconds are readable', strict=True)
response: 3,24
